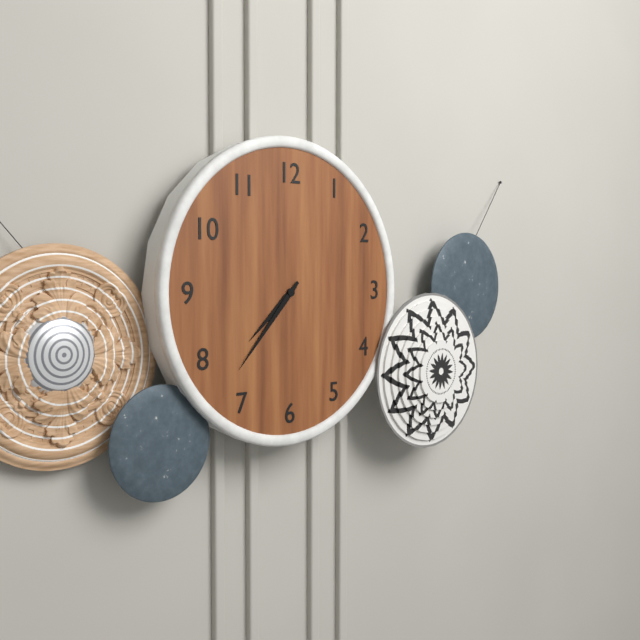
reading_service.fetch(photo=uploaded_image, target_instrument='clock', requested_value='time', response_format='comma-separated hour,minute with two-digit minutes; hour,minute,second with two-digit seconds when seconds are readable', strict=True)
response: 7,37
